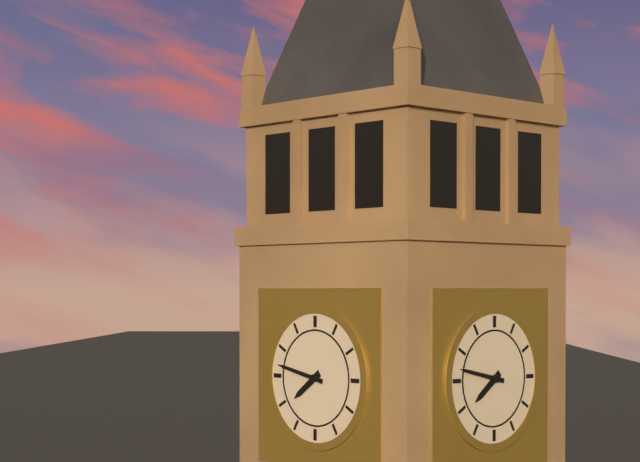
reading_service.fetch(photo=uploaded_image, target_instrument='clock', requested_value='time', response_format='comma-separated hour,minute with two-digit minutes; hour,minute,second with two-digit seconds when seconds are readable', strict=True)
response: 7,47
